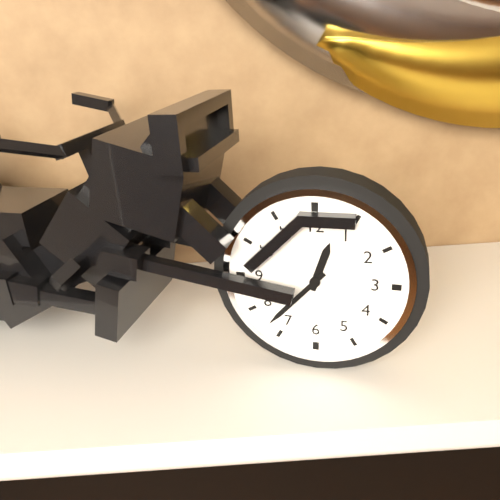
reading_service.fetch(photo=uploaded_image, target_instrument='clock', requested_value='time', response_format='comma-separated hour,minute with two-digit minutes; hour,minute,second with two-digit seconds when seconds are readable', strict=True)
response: 12,37
